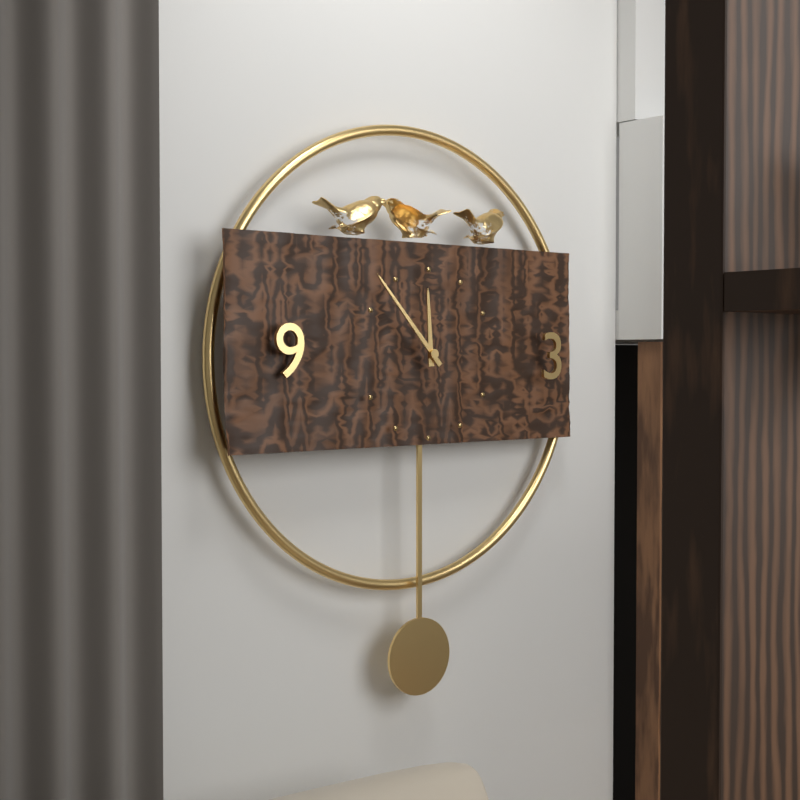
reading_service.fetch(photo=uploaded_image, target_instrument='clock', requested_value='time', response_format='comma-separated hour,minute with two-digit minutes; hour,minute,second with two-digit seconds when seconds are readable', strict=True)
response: 11,53
